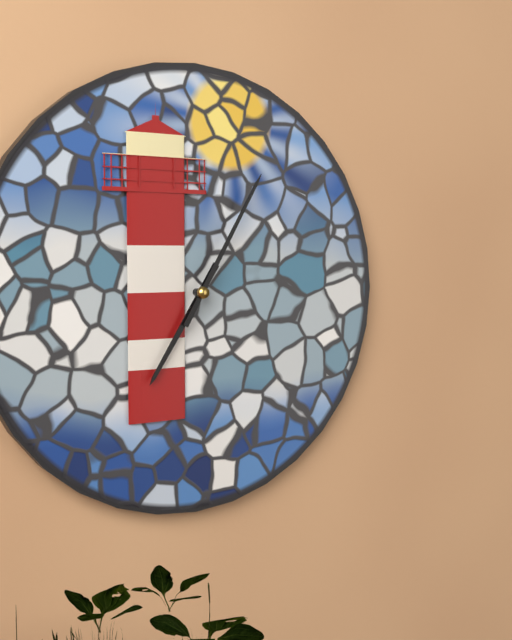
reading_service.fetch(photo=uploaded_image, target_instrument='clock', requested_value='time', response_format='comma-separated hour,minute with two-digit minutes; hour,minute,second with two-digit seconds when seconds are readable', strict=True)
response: 7,05
